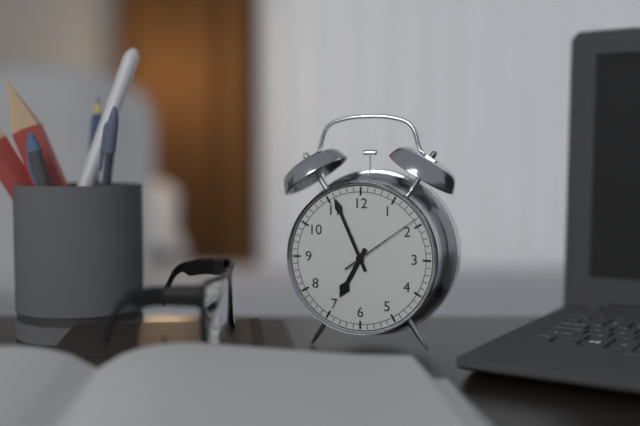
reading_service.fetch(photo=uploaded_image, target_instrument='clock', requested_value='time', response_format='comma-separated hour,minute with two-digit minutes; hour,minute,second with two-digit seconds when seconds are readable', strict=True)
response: 6,56,09
